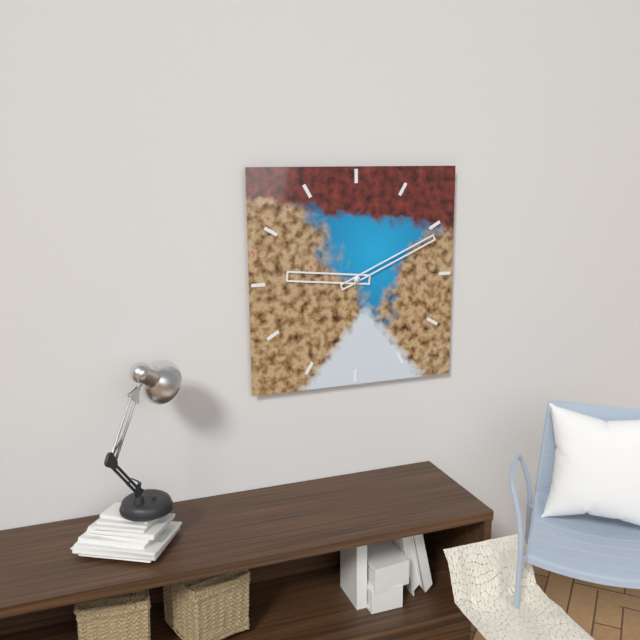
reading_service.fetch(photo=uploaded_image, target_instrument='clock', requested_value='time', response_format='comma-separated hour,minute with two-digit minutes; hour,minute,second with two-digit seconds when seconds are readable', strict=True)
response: 9,11
